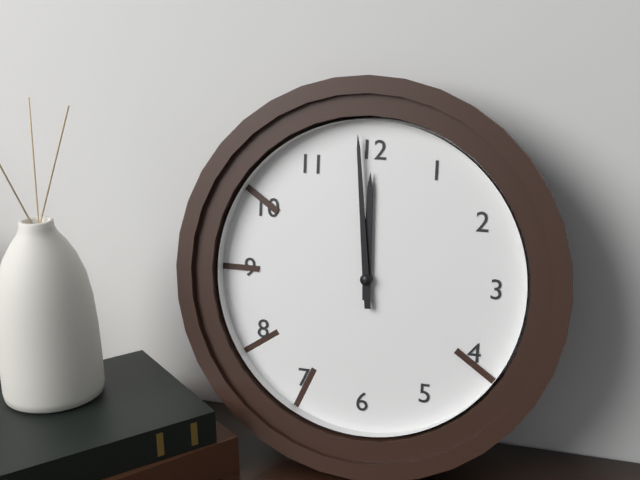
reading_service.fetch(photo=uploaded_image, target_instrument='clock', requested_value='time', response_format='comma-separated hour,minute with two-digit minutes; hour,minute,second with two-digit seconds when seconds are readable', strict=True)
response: 11,59
